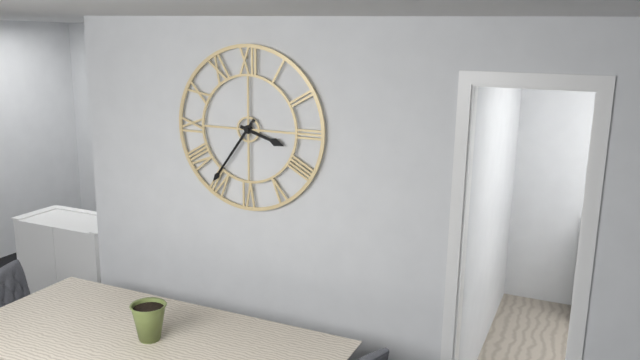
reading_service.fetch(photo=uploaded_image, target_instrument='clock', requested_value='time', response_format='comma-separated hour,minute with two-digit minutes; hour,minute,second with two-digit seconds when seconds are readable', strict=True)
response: 3,36
